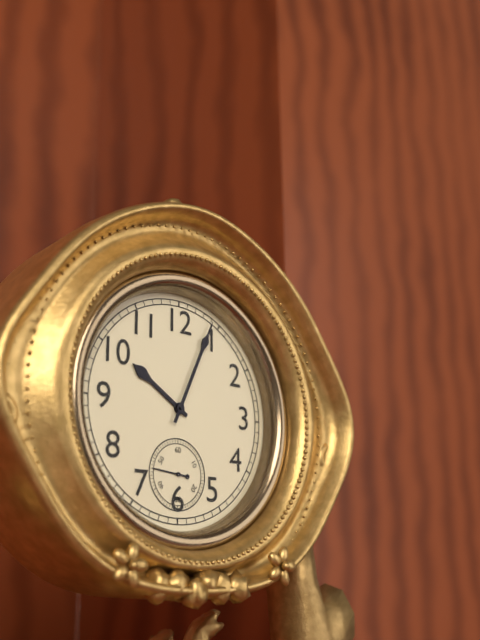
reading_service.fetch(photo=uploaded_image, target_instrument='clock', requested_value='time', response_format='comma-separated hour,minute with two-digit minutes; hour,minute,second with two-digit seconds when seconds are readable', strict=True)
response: 10,04
